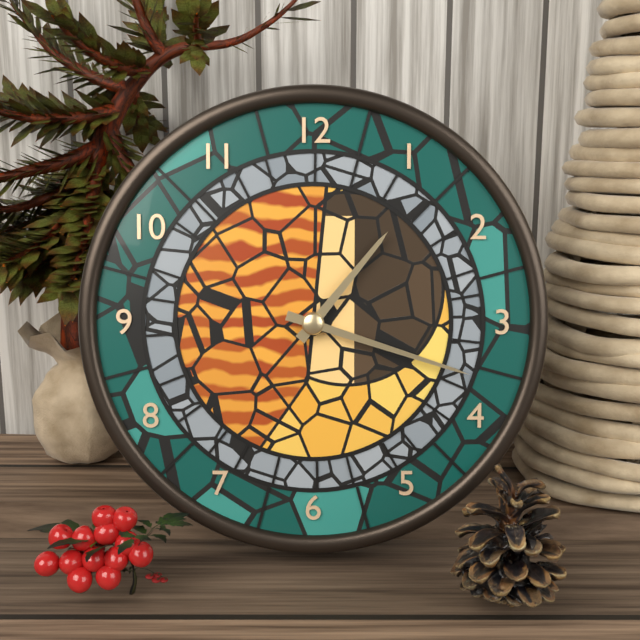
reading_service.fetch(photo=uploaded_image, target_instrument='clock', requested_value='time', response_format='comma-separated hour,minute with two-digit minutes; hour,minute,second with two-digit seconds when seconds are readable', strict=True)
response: 1,18
